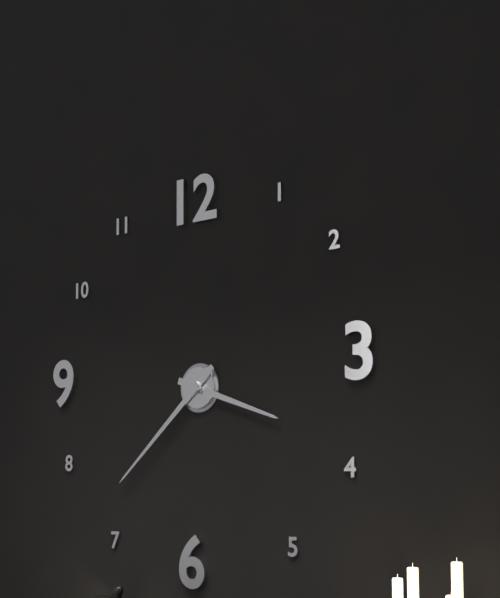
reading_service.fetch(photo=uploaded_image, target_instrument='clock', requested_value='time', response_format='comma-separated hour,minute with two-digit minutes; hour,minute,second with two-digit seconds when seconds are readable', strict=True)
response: 3,38
